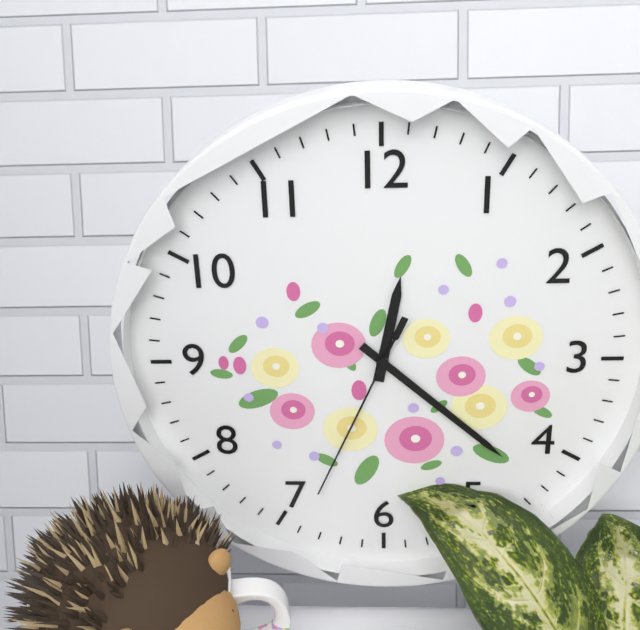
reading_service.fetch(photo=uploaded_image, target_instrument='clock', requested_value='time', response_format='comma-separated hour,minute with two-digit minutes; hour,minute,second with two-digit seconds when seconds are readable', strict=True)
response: 12,22,34
